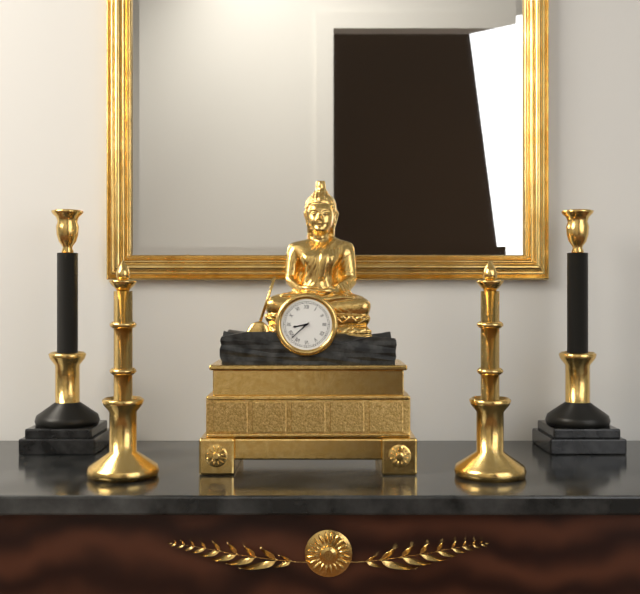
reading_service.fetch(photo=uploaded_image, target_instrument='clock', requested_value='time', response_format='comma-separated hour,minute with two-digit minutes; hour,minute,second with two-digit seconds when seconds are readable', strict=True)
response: 8,38
